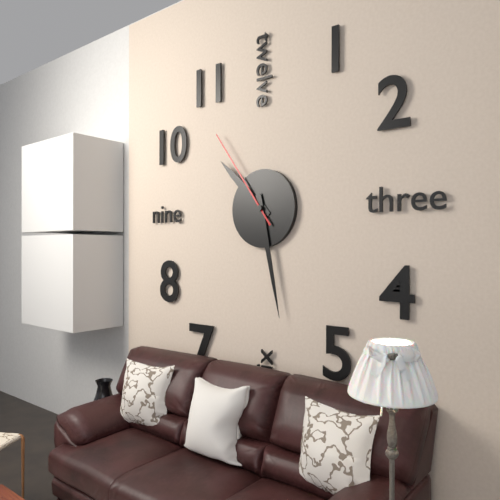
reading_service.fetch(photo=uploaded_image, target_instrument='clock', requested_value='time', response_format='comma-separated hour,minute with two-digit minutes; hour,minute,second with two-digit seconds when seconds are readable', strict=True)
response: 10,28,54
